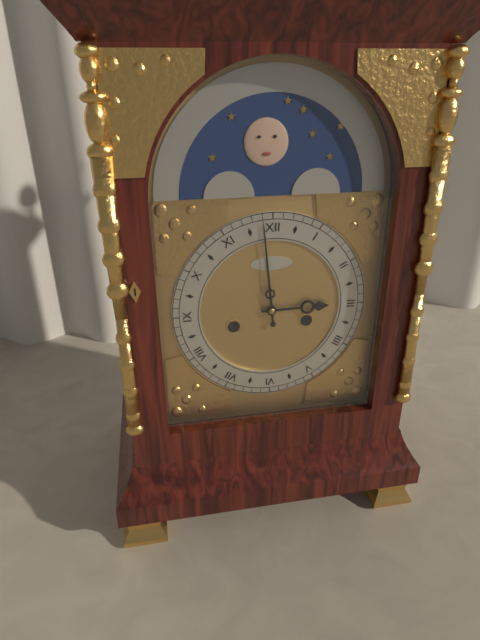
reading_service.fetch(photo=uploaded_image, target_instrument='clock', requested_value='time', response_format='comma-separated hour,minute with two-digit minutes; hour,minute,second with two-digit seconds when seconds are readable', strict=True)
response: 2,59
